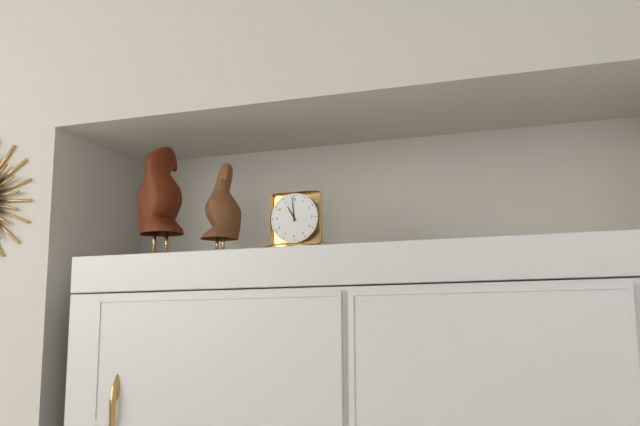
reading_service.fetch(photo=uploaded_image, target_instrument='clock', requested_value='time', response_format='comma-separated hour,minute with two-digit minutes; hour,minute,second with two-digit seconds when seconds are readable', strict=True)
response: 10,59
